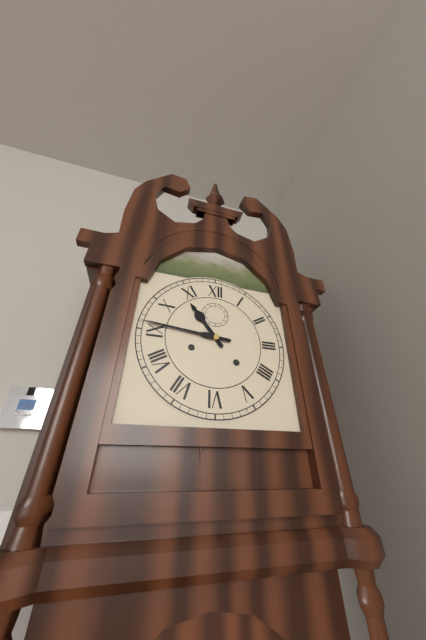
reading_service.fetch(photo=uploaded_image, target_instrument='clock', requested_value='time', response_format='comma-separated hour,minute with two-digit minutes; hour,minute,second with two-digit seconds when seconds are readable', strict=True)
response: 10,46
